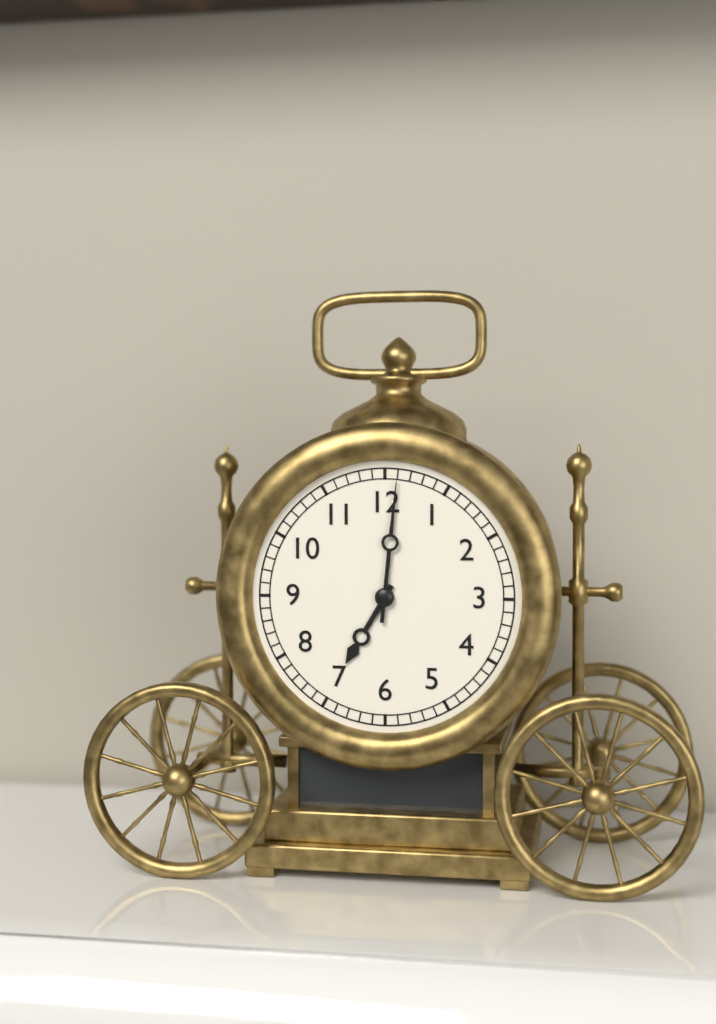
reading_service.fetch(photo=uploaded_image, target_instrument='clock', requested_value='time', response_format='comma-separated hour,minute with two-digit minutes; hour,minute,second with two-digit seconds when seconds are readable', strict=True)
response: 7,01
